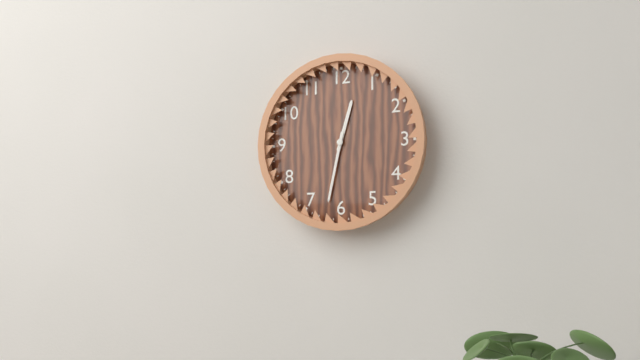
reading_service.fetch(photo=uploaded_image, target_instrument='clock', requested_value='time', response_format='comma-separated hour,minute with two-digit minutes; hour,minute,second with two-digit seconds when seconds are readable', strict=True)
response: 12,32
